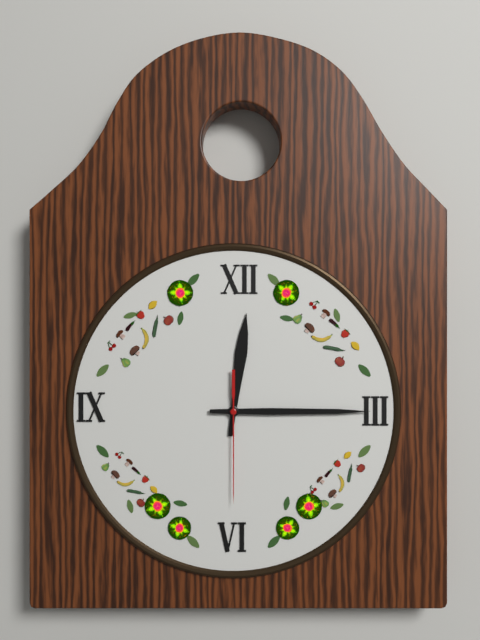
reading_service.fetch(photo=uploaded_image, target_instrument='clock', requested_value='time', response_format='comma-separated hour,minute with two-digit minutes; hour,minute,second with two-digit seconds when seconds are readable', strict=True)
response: 12,15,30
